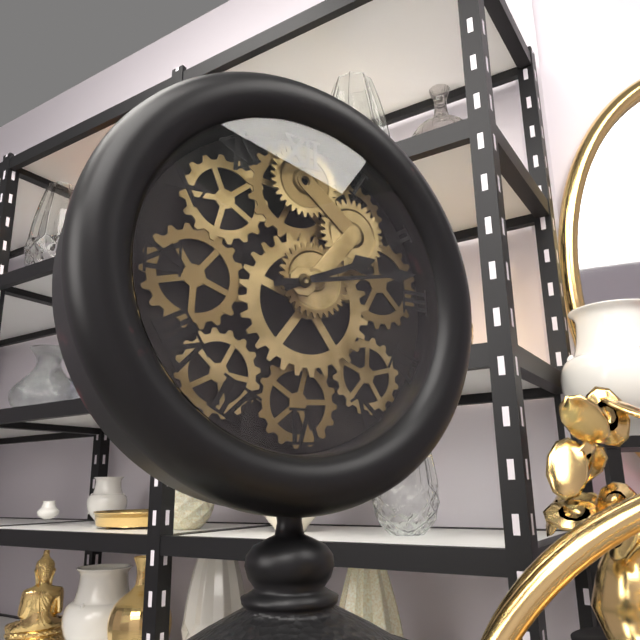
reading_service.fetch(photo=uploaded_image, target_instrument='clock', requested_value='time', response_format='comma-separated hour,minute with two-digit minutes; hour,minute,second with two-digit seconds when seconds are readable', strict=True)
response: 2,13
